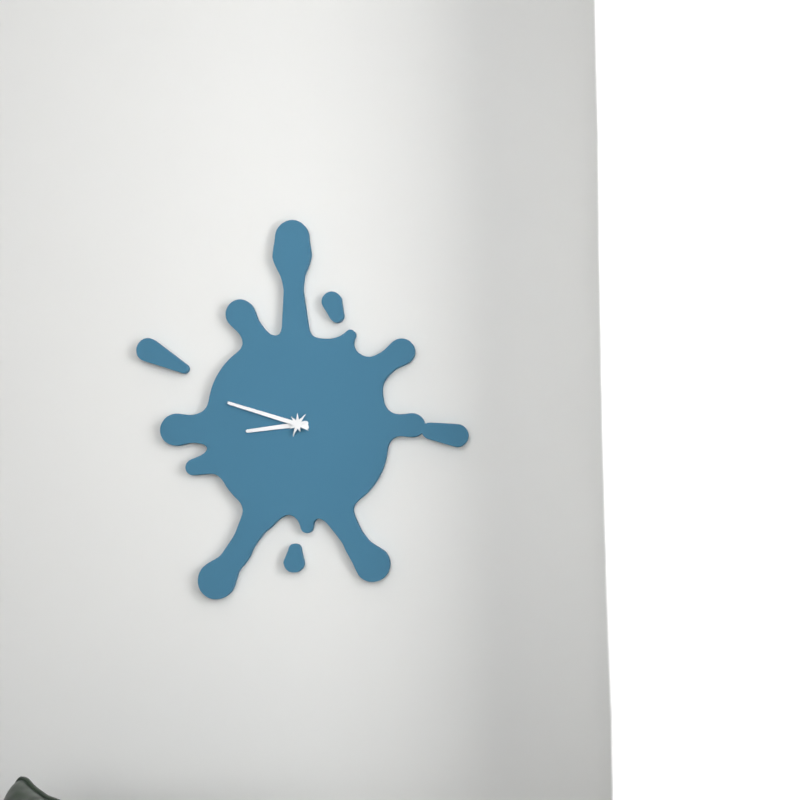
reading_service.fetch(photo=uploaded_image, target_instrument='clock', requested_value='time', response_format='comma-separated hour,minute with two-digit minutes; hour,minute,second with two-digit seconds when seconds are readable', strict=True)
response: 8,48
